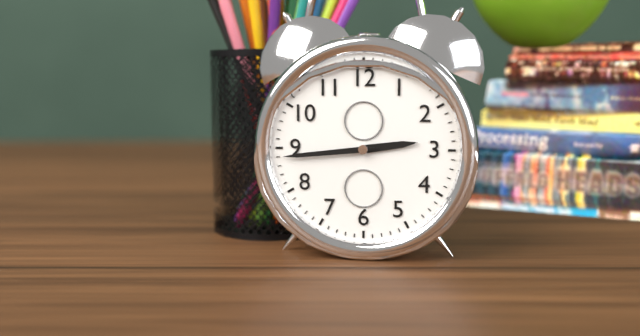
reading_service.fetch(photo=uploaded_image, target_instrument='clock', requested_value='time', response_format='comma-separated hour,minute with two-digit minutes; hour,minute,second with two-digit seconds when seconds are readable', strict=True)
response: 2,44
